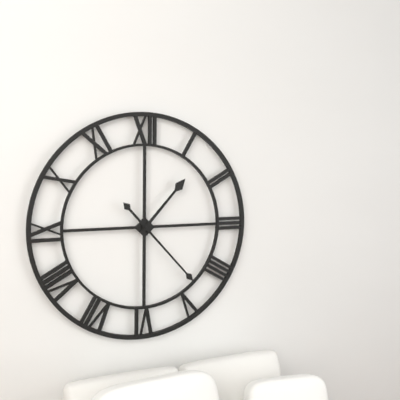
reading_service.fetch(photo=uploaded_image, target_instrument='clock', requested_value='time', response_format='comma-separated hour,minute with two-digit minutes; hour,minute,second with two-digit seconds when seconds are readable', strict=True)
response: 1,23
